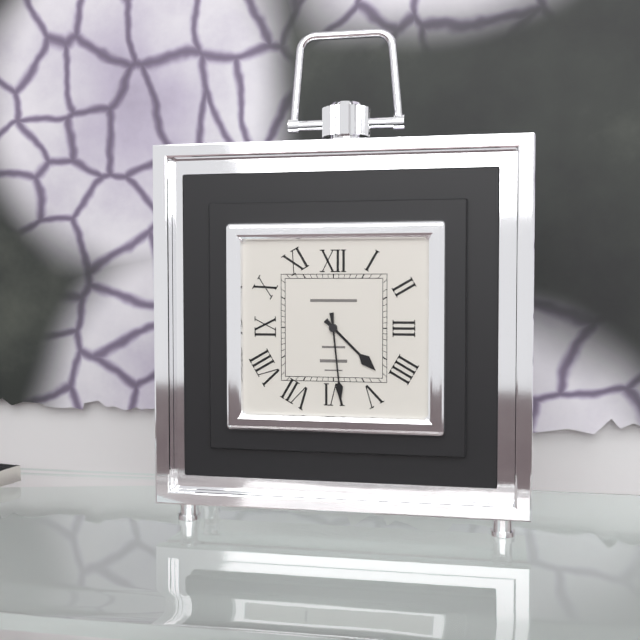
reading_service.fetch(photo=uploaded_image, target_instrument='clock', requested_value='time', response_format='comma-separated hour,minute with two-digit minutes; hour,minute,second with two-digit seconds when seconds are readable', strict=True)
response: 4,29
